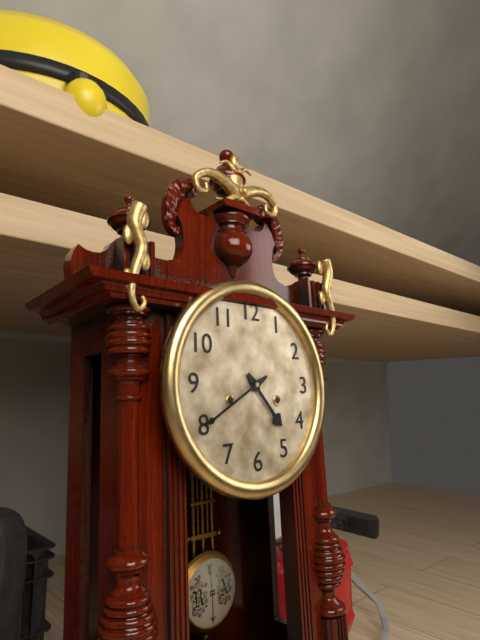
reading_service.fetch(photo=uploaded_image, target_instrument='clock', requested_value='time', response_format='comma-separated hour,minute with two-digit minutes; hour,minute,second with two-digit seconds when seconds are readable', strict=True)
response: 4,40
